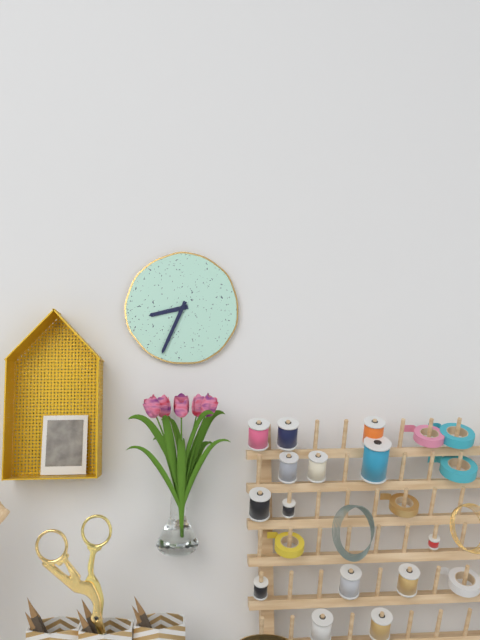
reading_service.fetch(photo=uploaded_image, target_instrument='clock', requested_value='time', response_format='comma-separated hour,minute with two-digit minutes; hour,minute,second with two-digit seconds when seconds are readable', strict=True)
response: 8,34
